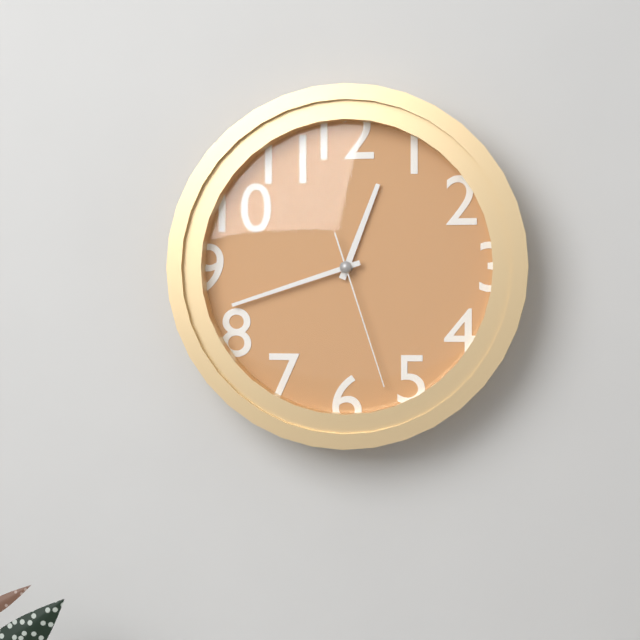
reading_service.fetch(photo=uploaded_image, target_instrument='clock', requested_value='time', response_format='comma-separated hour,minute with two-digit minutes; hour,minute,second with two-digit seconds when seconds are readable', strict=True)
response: 12,42,27
